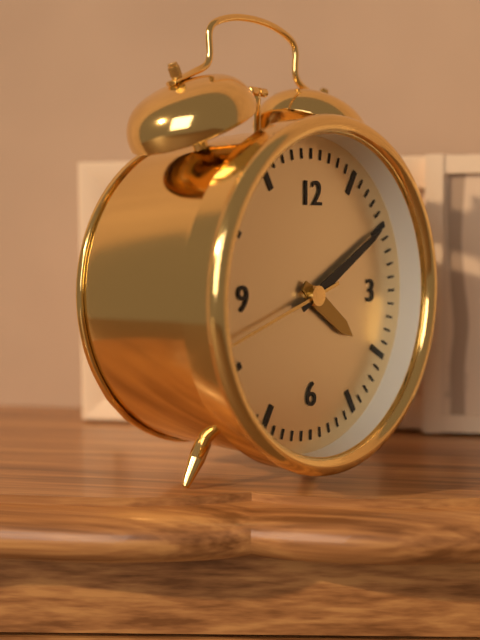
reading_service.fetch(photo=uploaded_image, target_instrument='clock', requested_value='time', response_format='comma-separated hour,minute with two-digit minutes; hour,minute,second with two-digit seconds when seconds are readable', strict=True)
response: 4,10,42
